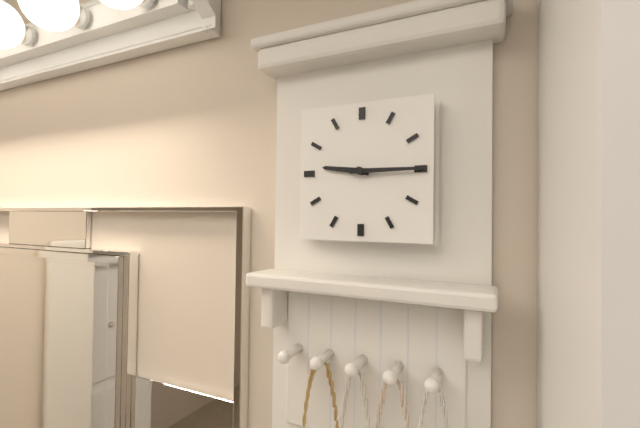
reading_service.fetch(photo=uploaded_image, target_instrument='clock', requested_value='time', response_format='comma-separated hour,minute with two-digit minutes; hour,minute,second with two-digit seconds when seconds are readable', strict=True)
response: 9,15
